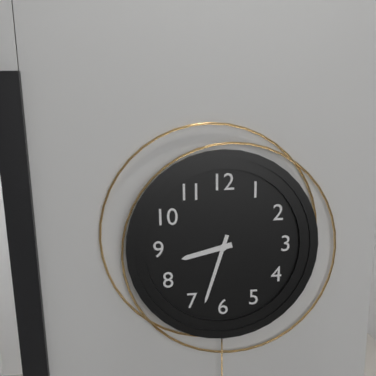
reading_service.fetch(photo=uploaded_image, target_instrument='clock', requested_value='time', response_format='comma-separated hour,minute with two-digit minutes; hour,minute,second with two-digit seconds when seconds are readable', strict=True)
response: 8,33
